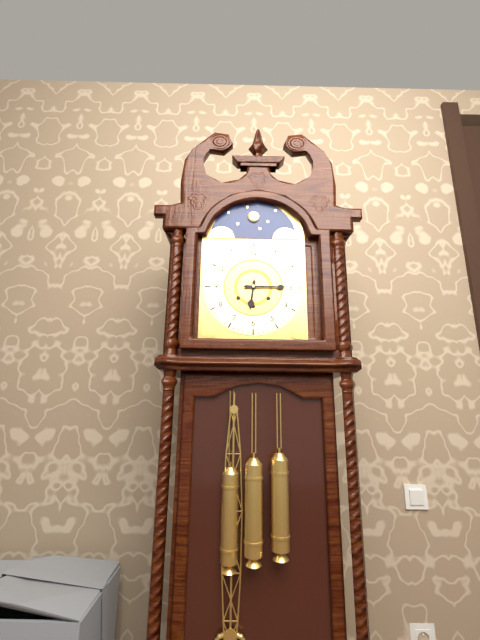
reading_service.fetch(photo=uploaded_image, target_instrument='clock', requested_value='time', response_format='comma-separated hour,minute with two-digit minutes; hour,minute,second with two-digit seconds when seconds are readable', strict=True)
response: 6,15
